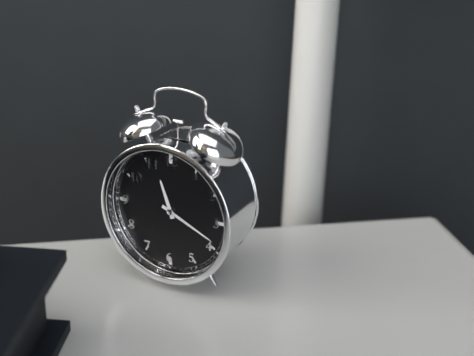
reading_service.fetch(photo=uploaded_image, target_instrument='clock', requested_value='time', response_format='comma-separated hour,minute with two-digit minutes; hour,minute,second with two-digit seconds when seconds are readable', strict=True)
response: 11,19
